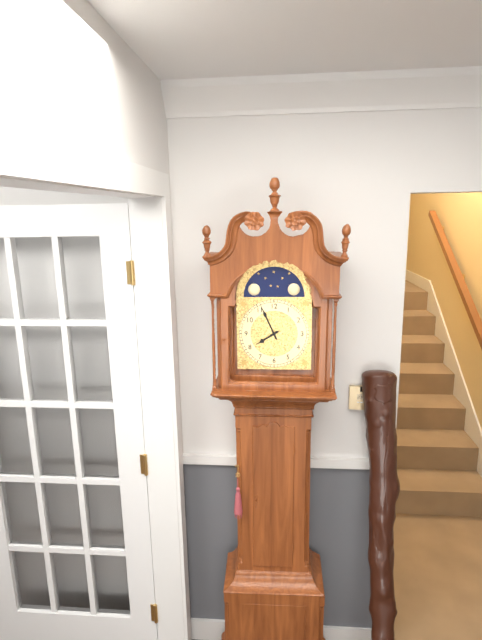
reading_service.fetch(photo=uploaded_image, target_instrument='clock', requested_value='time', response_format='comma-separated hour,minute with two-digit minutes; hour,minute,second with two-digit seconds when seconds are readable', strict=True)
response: 7,56
